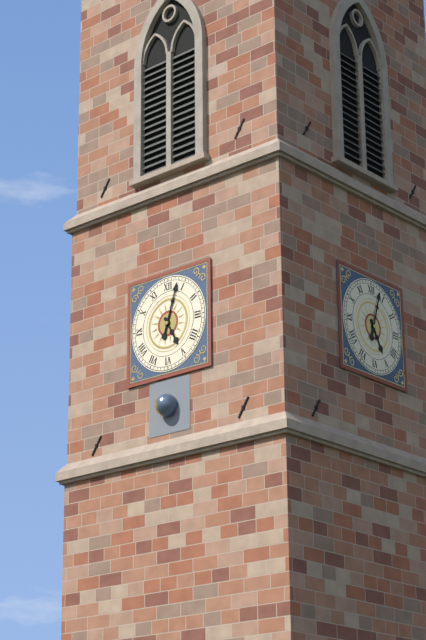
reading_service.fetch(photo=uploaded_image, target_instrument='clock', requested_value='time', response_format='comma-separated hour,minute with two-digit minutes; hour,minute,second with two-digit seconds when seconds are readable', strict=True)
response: 5,03
